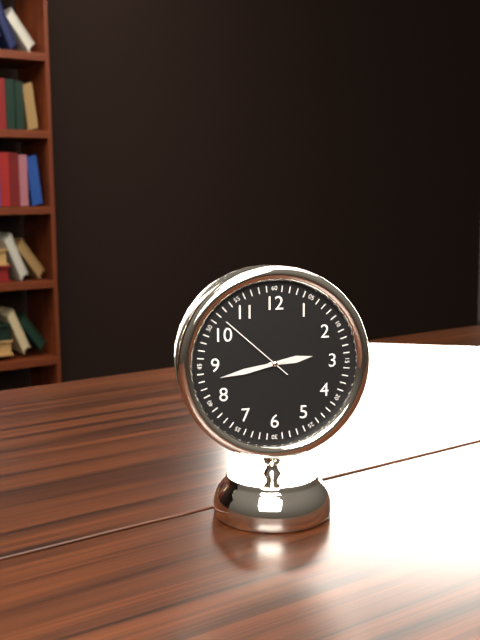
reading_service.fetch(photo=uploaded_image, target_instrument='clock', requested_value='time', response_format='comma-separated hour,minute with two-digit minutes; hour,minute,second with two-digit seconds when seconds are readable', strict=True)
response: 2,43,52
